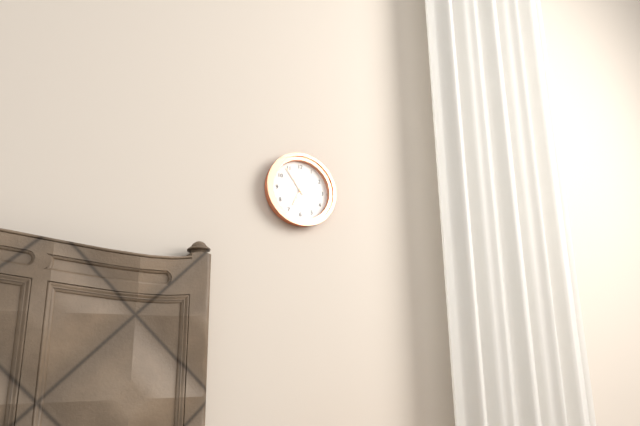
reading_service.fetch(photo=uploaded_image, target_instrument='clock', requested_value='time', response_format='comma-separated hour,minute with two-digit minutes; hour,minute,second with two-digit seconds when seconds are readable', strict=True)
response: 6,54
